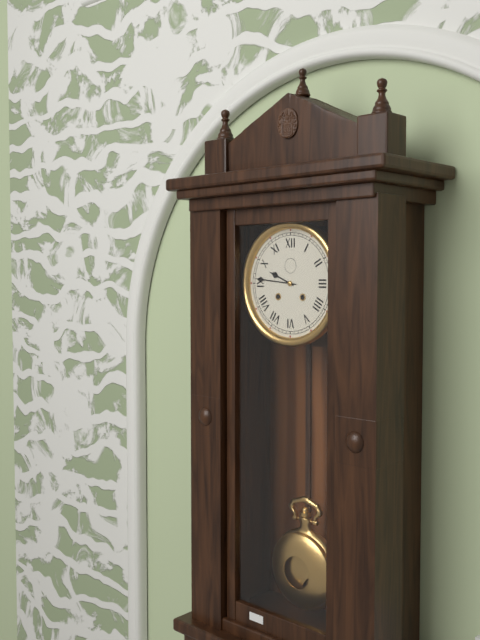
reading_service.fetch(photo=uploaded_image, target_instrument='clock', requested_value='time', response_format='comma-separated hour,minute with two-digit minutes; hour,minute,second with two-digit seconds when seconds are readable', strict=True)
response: 9,46
